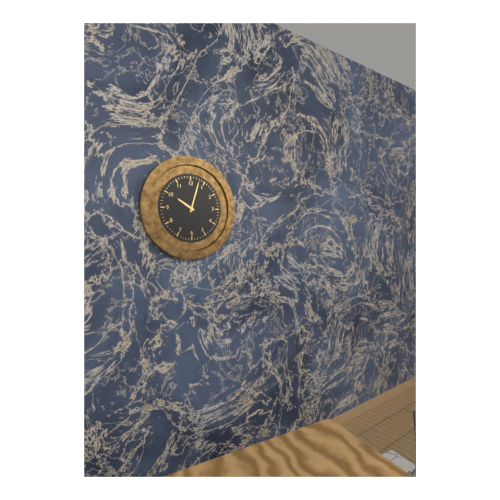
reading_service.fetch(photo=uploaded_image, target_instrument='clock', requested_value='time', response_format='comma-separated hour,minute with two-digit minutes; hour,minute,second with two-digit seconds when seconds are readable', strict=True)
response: 10,03
